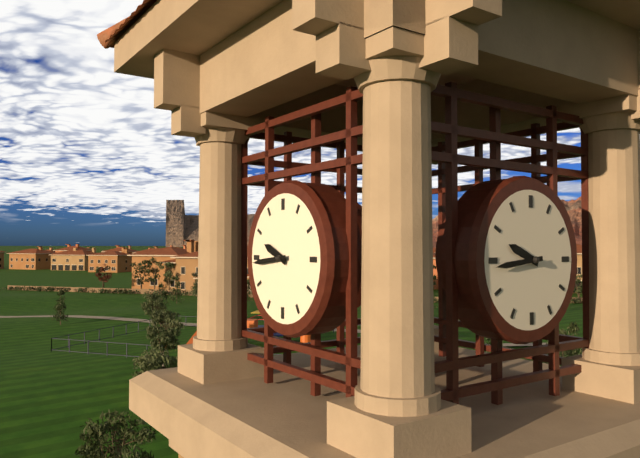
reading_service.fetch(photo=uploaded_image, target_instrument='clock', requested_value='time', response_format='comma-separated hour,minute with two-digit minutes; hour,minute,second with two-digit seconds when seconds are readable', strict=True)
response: 9,44
